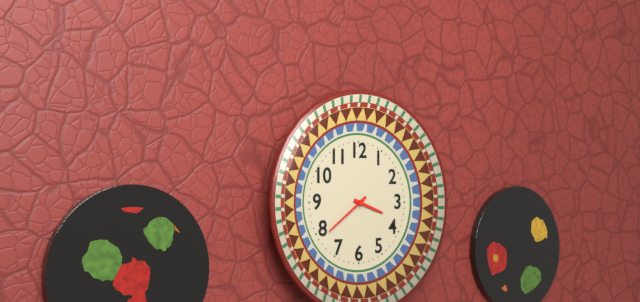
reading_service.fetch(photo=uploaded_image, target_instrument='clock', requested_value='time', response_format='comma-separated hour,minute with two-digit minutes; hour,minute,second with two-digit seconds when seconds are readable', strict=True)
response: 3,39
